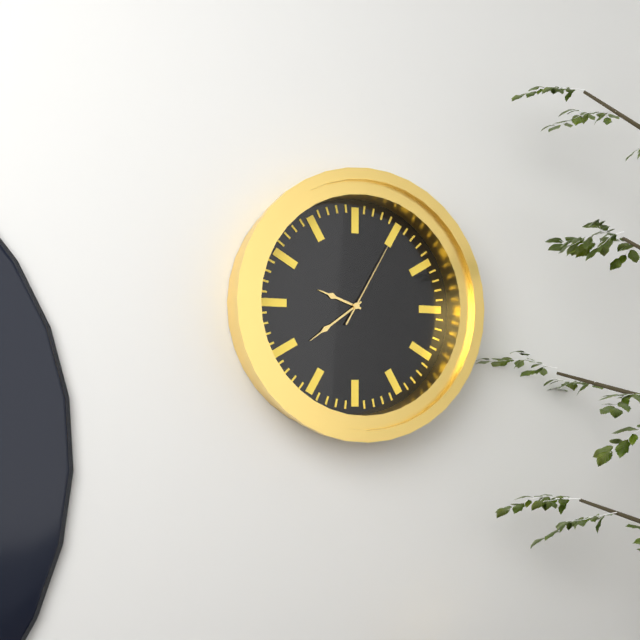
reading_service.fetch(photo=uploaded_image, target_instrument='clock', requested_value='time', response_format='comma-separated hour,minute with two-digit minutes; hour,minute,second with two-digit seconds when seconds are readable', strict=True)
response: 9,39,05
